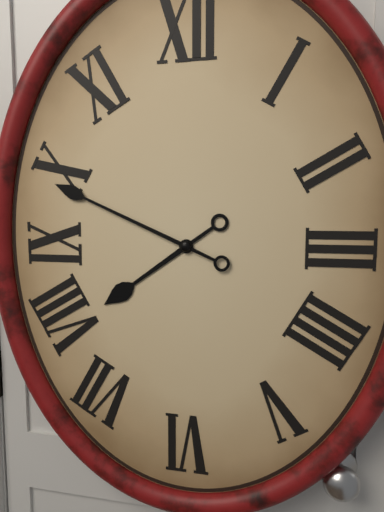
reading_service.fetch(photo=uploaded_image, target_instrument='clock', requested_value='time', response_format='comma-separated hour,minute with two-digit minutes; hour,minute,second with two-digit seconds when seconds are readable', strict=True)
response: 7,49
